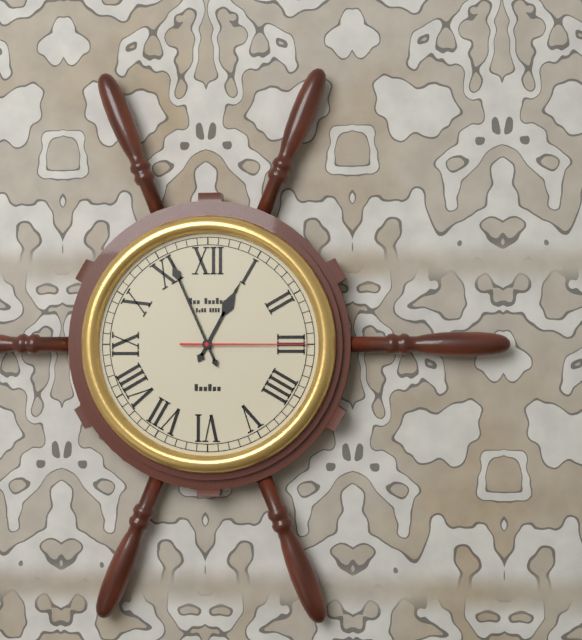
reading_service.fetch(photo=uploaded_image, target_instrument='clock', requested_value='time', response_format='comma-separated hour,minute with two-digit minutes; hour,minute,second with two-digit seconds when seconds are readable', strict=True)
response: 12,56,15
